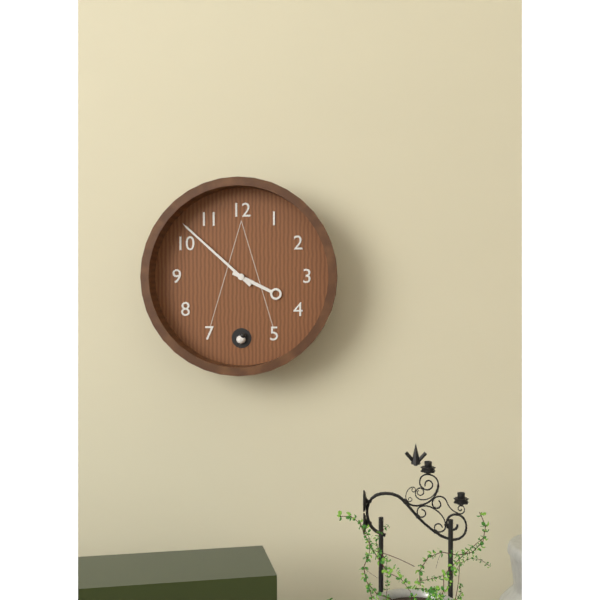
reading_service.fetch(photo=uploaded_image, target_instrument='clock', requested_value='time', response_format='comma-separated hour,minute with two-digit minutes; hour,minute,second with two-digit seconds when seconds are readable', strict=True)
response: 3,52
